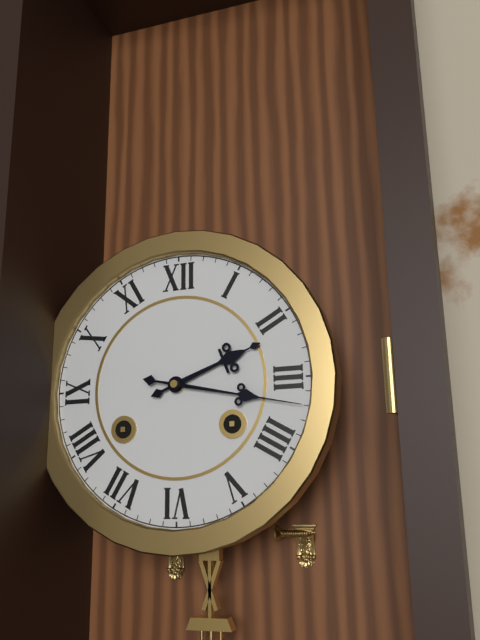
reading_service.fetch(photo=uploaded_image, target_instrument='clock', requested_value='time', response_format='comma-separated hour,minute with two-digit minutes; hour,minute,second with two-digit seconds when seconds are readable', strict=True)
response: 2,17
